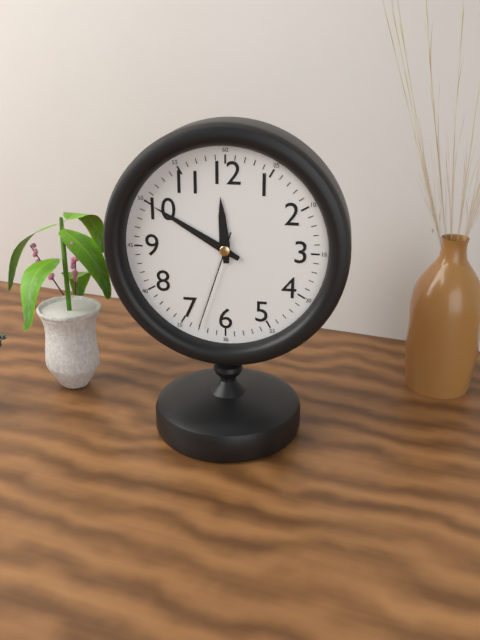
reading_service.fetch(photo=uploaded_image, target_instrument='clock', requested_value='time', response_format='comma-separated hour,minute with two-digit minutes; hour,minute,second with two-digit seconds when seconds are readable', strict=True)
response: 11,50,33
